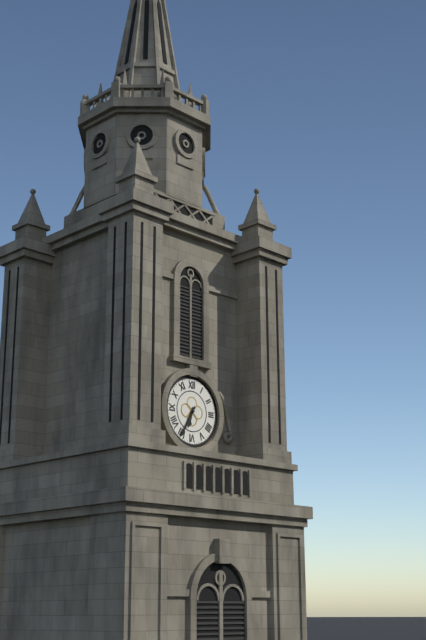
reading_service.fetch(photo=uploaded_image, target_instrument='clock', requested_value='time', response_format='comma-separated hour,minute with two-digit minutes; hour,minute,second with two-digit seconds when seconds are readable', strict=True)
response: 6,35
